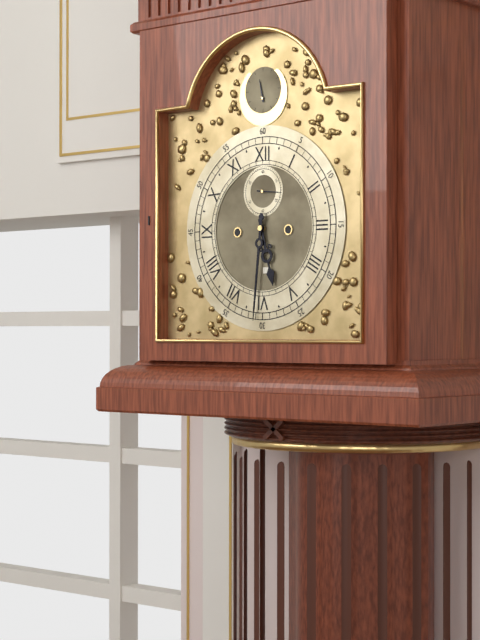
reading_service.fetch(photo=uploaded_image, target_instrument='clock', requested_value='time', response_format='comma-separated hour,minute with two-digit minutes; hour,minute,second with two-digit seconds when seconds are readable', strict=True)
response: 5,31
